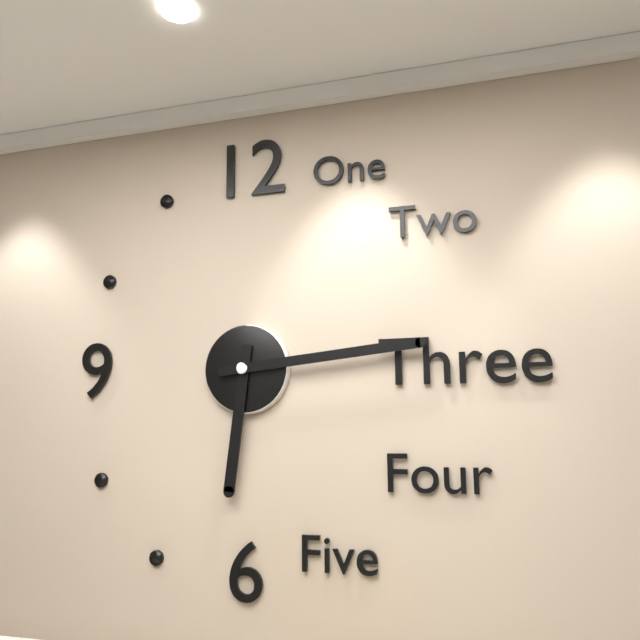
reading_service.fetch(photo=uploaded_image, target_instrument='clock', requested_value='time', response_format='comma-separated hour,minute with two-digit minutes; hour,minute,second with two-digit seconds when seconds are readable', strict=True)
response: 6,14
